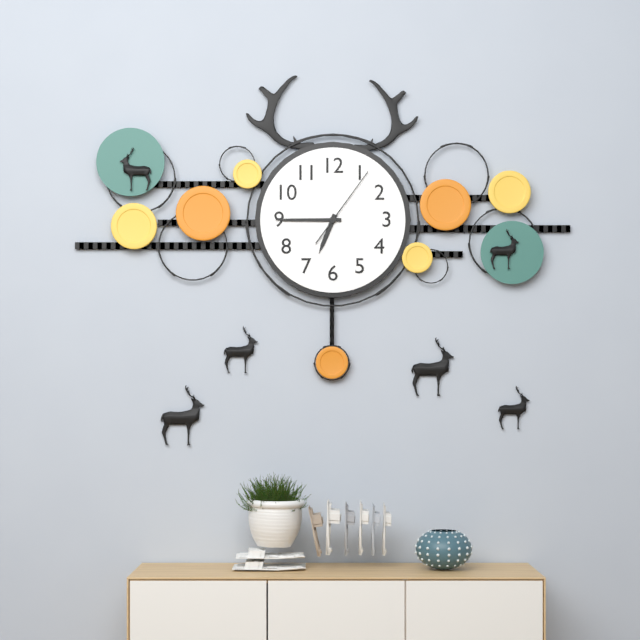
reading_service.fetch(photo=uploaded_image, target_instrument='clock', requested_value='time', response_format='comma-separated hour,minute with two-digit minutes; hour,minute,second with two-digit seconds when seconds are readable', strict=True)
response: 6,45,06
